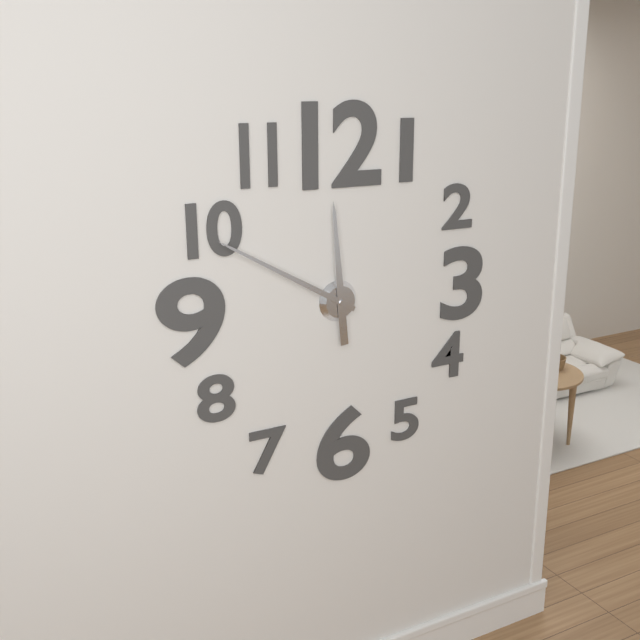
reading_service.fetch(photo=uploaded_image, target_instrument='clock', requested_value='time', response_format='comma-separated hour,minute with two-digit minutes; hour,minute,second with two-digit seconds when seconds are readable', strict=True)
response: 11,50
